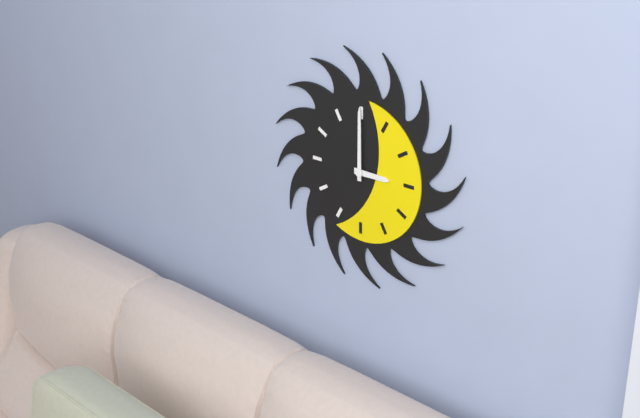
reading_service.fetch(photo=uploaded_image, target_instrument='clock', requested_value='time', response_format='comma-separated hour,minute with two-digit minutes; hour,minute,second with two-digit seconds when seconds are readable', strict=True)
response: 3,00
